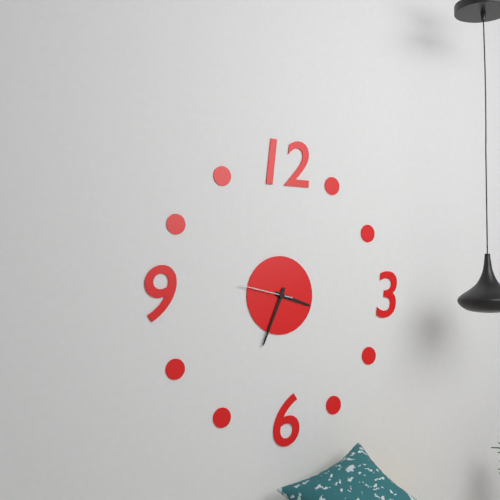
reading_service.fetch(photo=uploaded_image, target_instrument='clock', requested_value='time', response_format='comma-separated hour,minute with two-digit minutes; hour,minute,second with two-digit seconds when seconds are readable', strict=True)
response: 3,34,47
